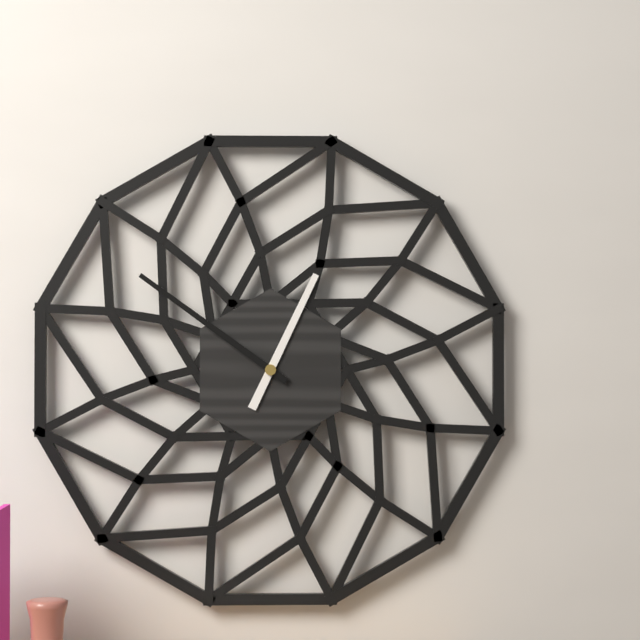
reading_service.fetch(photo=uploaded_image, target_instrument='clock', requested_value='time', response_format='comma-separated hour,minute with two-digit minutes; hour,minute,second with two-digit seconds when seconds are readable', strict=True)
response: 12,51
